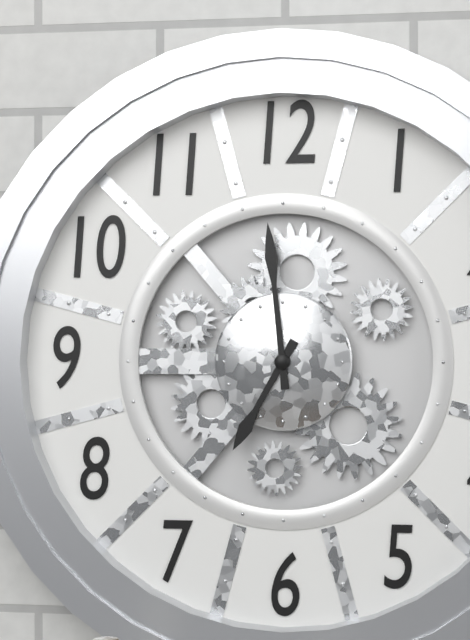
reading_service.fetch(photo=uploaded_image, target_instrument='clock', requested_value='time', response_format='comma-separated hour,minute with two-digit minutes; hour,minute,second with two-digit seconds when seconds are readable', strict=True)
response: 6,59
